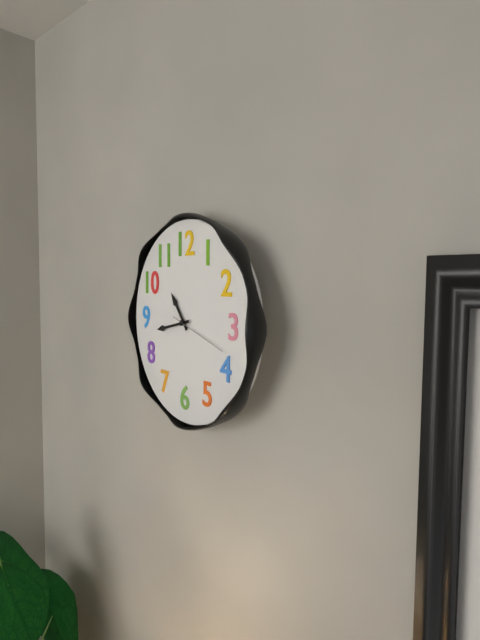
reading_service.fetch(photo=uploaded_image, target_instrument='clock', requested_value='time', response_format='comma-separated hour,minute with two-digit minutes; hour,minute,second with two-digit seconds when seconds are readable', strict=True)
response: 10,43,18
